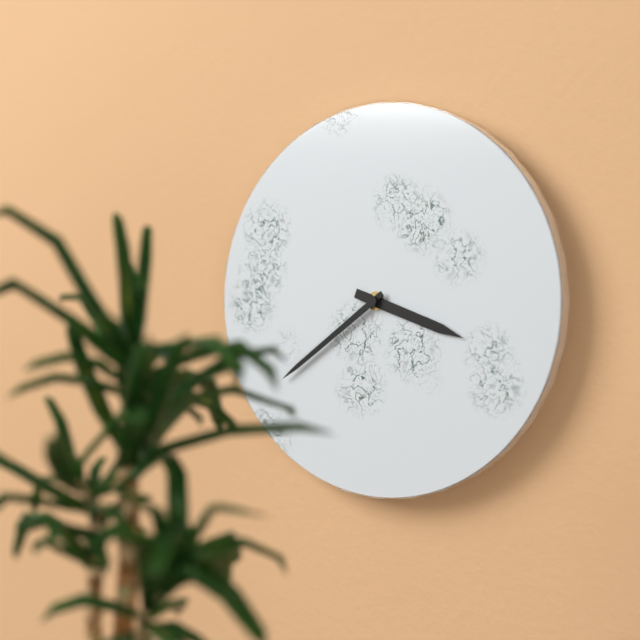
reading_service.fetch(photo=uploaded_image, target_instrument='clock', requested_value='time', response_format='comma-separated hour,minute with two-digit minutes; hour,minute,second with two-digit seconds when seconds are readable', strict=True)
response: 3,39
